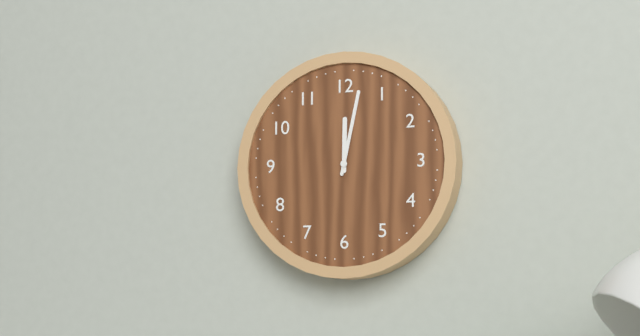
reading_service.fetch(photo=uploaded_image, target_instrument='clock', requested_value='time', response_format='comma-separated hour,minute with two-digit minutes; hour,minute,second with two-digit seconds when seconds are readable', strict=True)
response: 12,02
